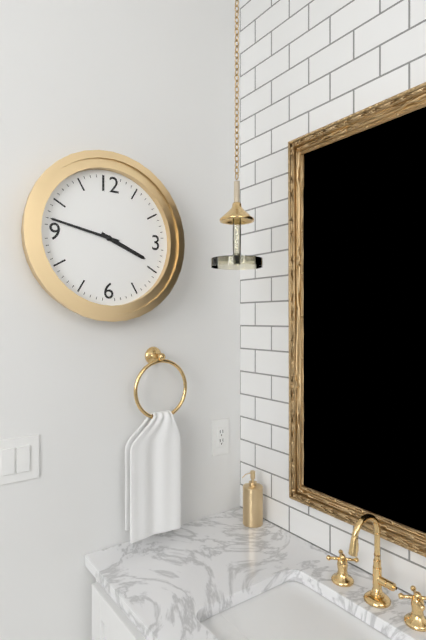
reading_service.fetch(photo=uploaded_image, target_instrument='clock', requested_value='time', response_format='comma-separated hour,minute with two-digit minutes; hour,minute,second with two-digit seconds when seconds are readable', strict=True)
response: 3,47
